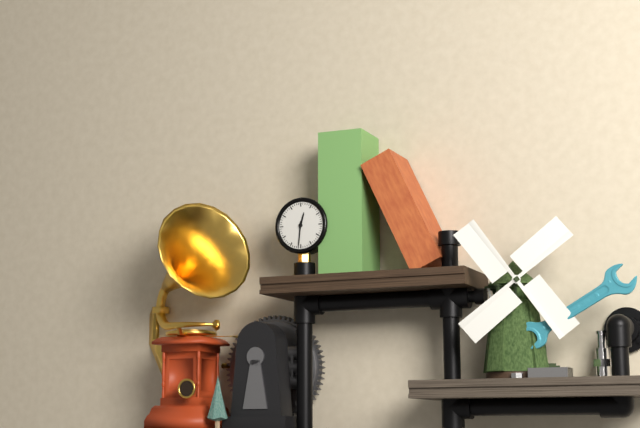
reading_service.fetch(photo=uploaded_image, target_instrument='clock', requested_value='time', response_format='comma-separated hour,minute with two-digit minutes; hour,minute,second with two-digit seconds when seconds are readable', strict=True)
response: 12,31
